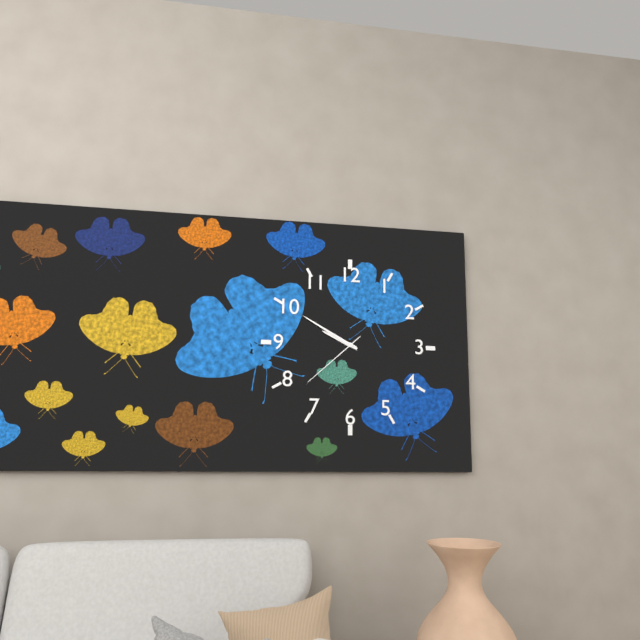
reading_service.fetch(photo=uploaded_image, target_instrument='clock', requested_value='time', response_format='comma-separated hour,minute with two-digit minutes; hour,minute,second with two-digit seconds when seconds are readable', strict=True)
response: 9,50,38
